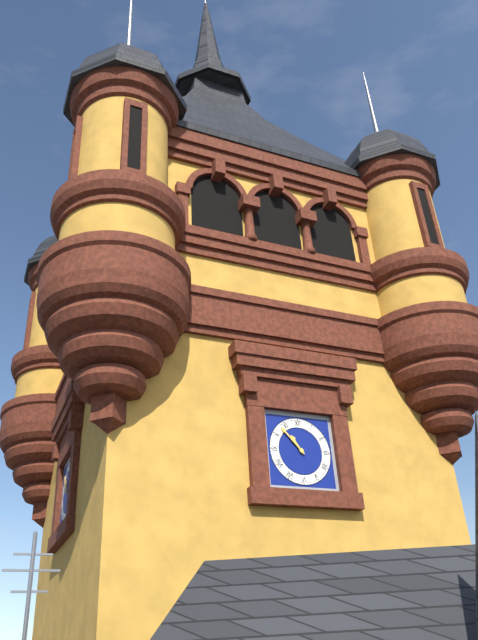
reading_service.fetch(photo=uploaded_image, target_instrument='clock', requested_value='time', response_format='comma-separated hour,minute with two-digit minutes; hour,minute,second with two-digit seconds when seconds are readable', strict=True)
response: 10,53
